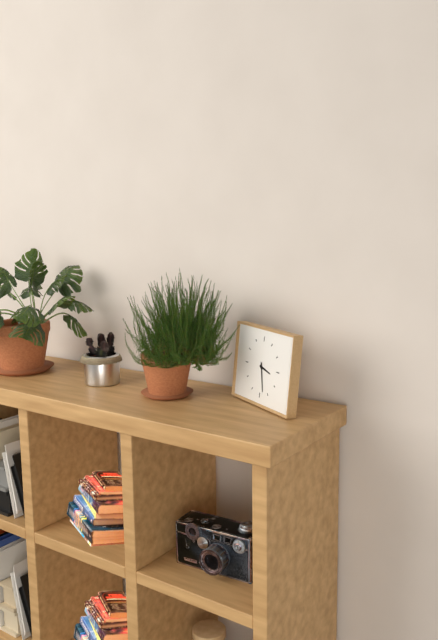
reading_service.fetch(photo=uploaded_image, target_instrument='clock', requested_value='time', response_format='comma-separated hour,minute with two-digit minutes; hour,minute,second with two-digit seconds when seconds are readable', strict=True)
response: 3,28
